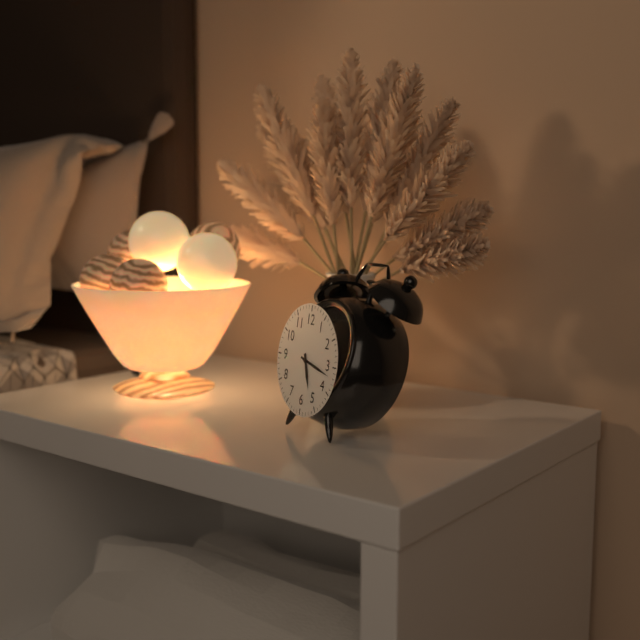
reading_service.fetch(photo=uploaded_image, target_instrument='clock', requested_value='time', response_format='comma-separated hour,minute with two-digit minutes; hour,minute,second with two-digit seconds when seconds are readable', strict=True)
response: 5,17
